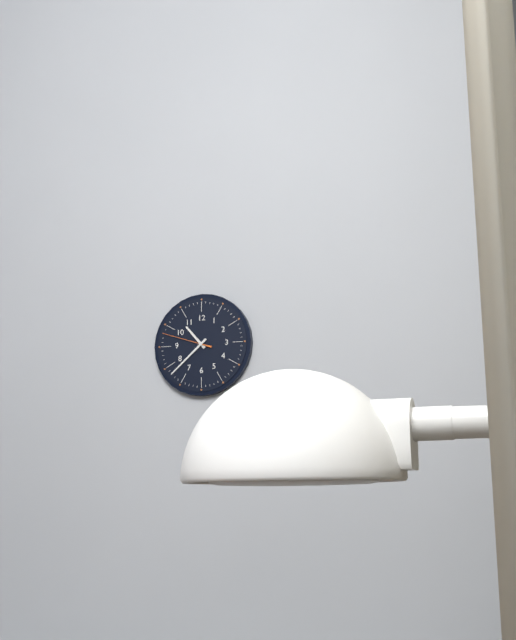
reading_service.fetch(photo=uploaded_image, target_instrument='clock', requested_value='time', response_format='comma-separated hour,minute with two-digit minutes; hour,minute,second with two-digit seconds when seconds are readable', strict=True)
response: 10,38,48
